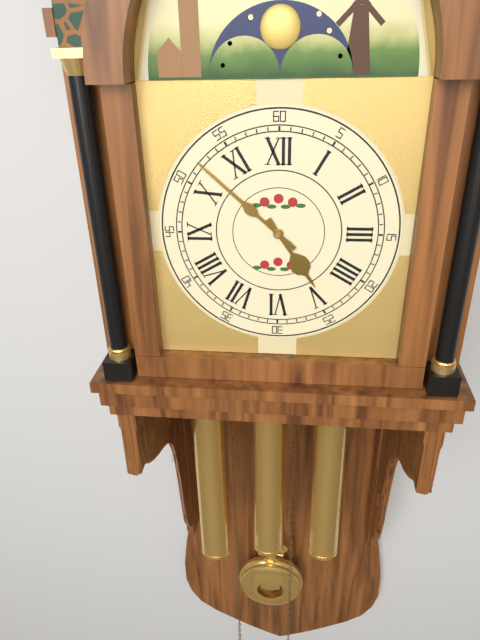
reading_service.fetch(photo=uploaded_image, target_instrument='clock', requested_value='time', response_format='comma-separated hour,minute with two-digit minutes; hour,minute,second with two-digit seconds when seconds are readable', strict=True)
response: 4,52
